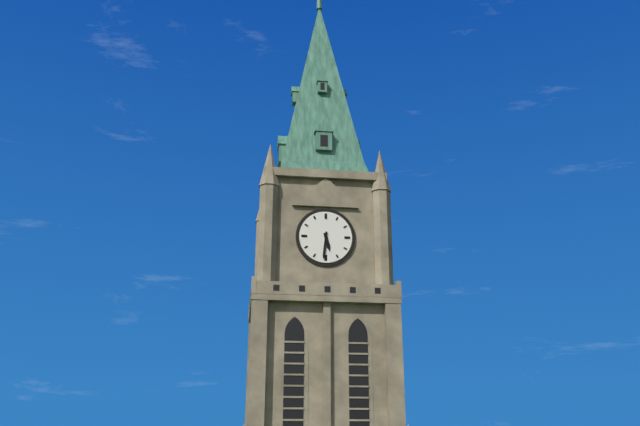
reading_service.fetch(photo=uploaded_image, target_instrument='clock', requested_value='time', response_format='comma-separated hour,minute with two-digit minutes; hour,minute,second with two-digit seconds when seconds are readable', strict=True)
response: 5,31
